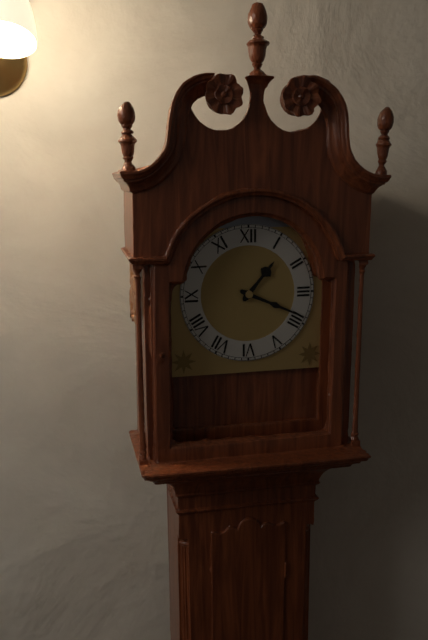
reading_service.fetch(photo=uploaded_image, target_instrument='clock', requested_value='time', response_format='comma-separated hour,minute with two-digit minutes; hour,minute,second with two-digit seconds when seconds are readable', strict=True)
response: 1,19
